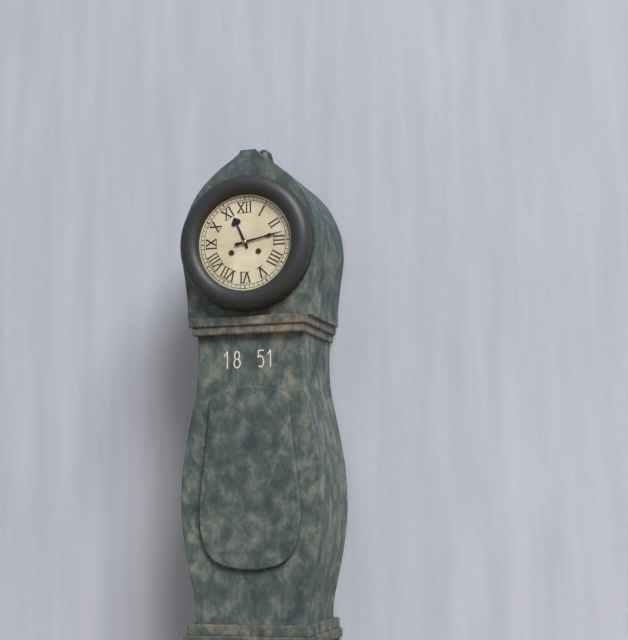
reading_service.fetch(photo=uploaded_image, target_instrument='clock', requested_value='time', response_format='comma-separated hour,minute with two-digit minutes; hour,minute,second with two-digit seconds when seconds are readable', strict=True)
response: 11,13
